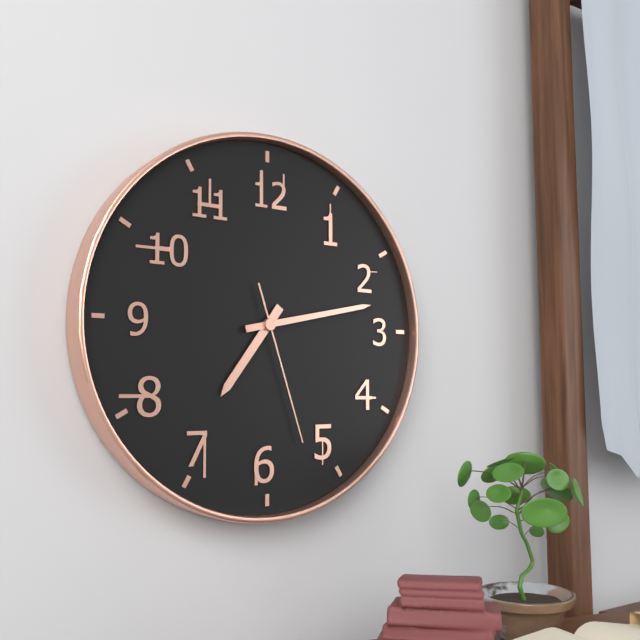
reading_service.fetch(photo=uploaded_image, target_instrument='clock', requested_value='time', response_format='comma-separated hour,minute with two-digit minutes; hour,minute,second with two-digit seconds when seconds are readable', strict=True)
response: 7,13,27
